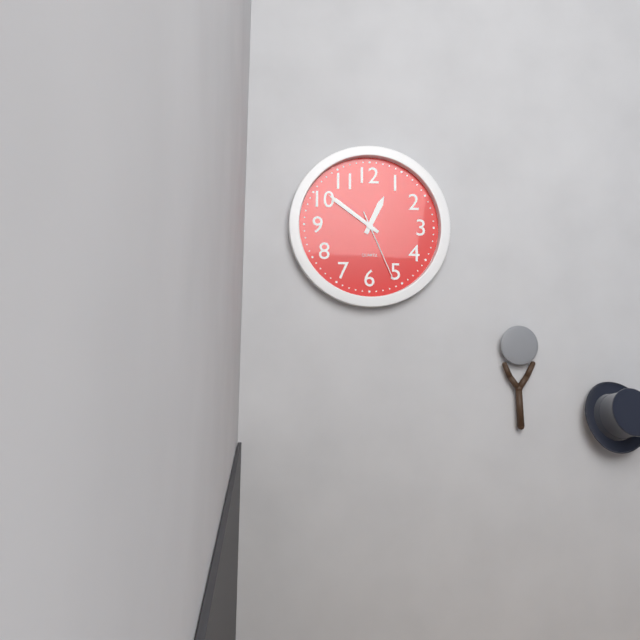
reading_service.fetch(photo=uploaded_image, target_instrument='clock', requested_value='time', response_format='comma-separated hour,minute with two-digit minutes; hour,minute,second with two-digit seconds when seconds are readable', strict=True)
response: 12,51,26
